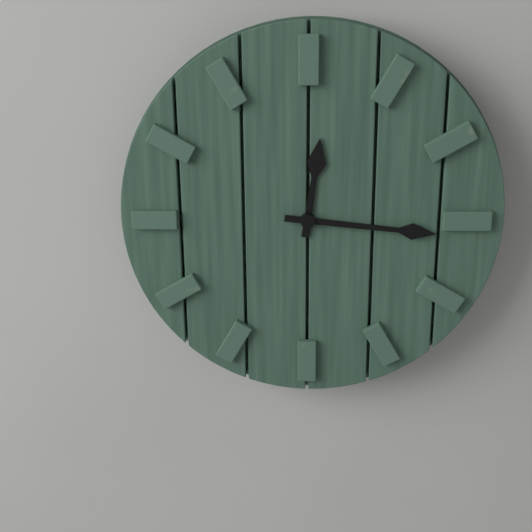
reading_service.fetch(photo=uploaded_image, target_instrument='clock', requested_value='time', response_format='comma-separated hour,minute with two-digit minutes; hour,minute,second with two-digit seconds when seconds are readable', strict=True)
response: 12,16
